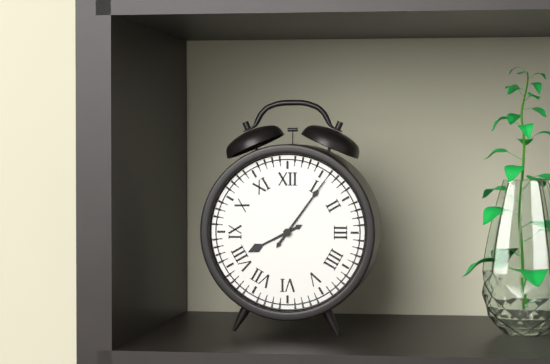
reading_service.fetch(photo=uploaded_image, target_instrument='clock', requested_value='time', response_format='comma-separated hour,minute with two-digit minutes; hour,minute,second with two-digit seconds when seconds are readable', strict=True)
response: 8,06
